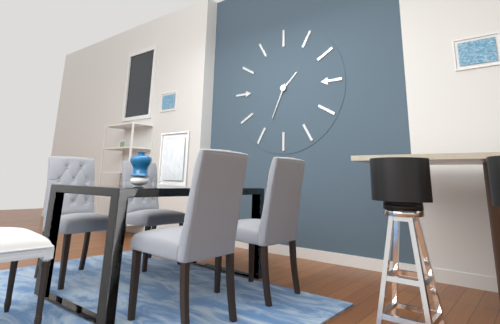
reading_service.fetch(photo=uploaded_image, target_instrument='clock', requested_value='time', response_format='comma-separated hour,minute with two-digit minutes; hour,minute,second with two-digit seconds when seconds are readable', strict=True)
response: 1,34
